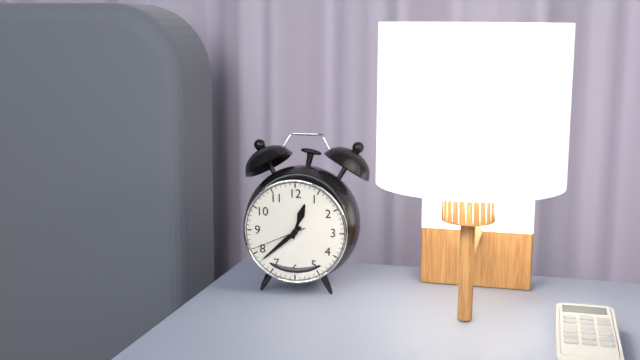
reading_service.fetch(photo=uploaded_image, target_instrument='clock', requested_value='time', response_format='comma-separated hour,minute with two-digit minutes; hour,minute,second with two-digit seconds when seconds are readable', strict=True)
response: 12,38,41
